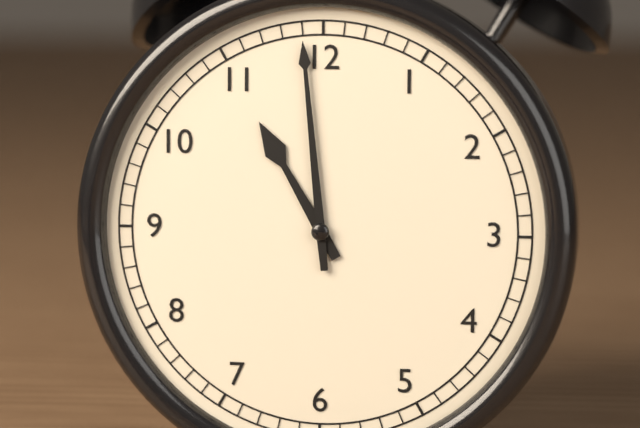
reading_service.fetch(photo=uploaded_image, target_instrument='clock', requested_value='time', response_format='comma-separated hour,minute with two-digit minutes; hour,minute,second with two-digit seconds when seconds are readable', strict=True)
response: 10,59
